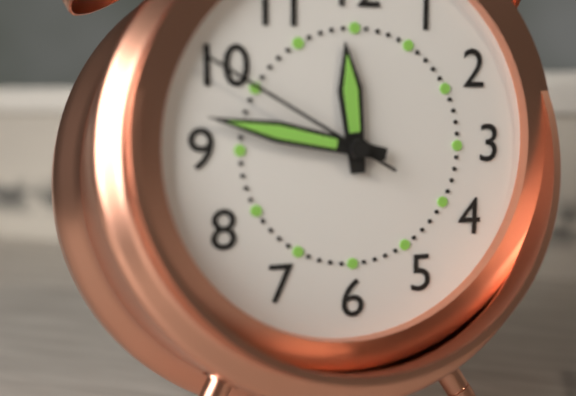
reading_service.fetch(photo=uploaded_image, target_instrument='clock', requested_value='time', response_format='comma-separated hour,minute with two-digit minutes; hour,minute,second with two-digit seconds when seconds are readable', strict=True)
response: 11,47,50
